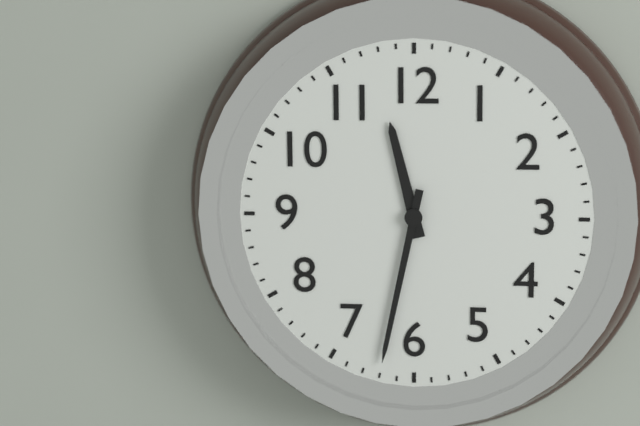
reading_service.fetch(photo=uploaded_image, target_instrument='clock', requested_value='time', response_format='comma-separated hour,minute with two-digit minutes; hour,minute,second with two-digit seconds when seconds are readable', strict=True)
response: 11,32
